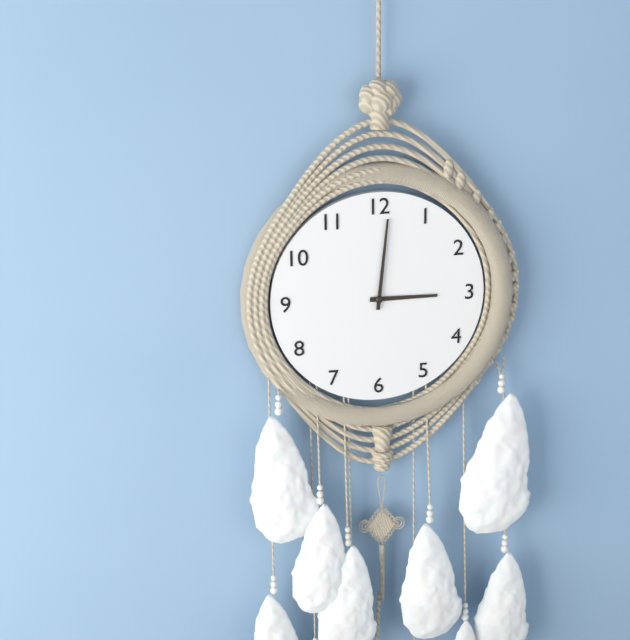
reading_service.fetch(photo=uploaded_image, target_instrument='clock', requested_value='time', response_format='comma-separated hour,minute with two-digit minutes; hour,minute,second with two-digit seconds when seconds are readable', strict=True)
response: 3,01
